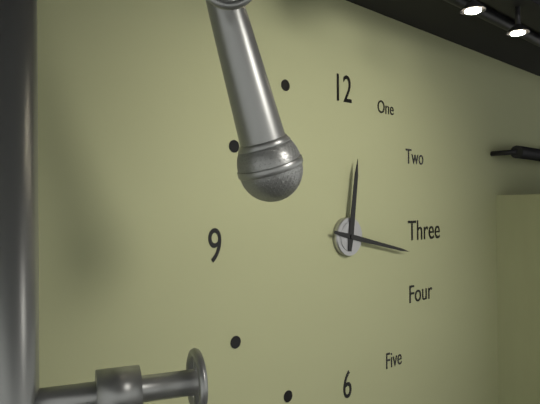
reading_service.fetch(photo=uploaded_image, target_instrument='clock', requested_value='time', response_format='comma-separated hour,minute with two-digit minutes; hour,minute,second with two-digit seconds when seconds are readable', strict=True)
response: 12,17
